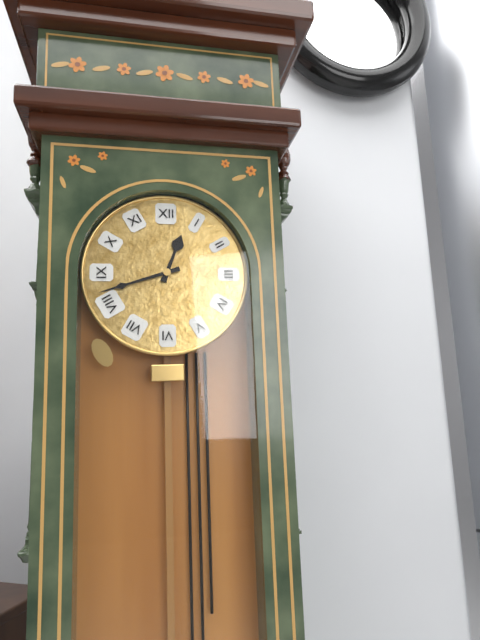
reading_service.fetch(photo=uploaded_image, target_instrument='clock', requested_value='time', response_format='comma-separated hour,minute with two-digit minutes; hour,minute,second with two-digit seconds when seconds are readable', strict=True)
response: 12,42
